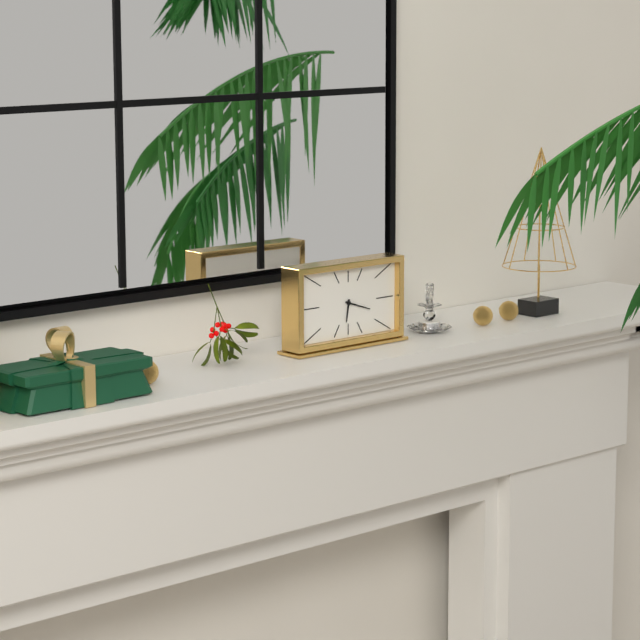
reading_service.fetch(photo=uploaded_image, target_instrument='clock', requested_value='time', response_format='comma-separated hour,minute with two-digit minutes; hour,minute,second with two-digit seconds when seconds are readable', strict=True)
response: 6,18
